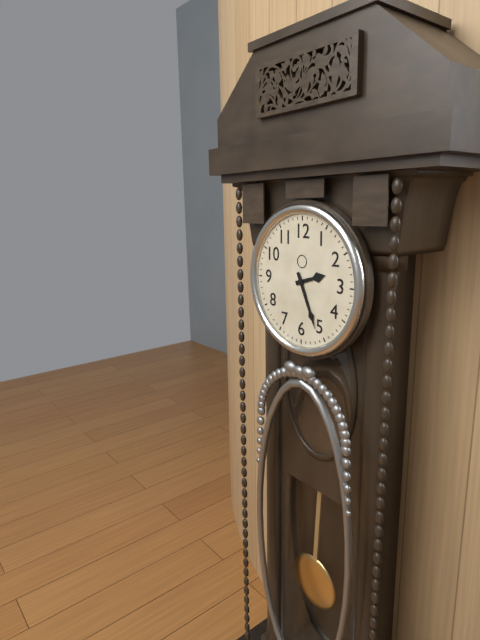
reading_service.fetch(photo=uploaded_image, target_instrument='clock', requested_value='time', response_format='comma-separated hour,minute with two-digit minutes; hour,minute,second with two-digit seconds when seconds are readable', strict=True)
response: 2,26
